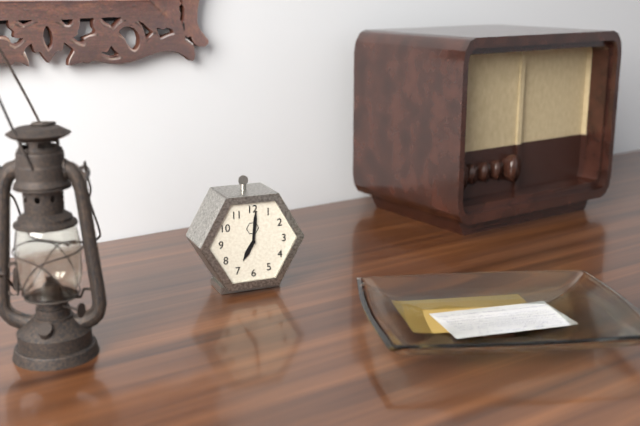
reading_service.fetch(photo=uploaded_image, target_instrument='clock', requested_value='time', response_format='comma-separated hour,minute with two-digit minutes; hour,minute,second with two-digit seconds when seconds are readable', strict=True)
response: 7,01
